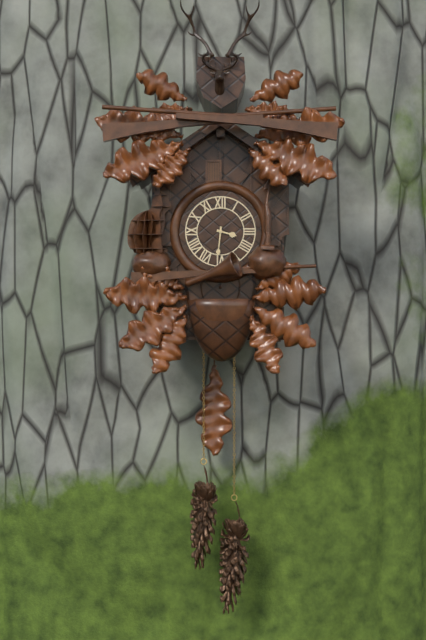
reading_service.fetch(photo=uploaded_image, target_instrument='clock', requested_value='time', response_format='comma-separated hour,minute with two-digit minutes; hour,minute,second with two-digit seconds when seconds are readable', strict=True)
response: 3,31
